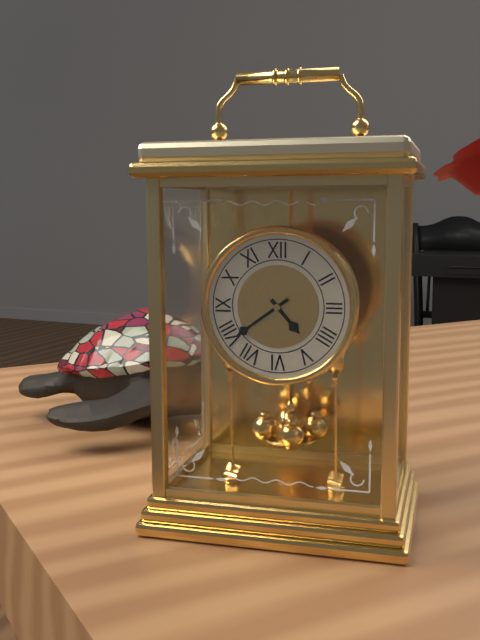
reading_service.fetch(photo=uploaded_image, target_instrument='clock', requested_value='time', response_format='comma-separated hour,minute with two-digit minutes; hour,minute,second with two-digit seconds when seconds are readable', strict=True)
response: 4,39
